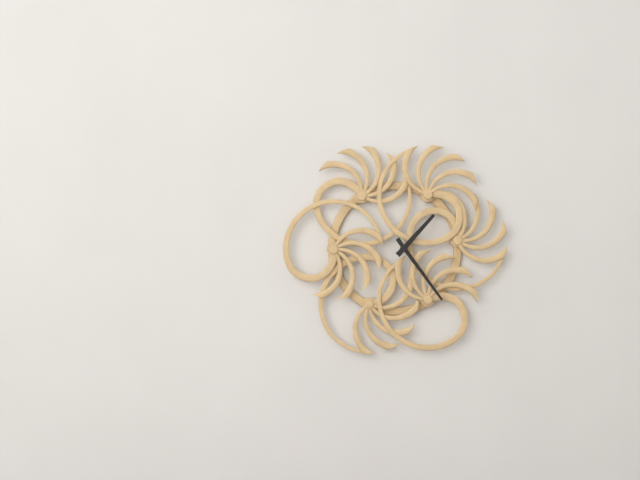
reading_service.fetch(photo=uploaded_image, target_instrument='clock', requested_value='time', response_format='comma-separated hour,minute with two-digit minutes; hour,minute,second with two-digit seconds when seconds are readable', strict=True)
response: 1,24
